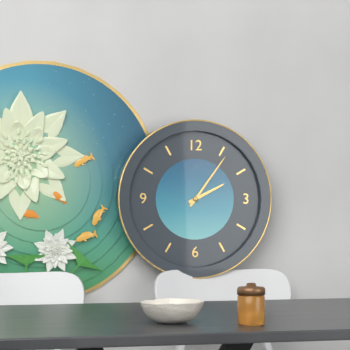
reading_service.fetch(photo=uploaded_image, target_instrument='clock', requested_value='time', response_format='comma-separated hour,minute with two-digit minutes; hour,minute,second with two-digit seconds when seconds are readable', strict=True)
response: 2,06
